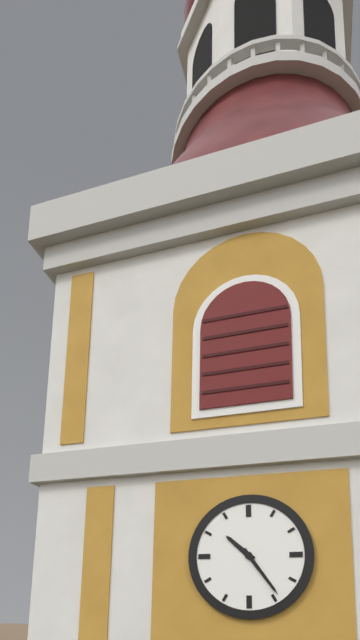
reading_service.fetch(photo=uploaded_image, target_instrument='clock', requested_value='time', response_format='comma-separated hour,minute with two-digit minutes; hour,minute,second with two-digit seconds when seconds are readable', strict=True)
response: 10,24
